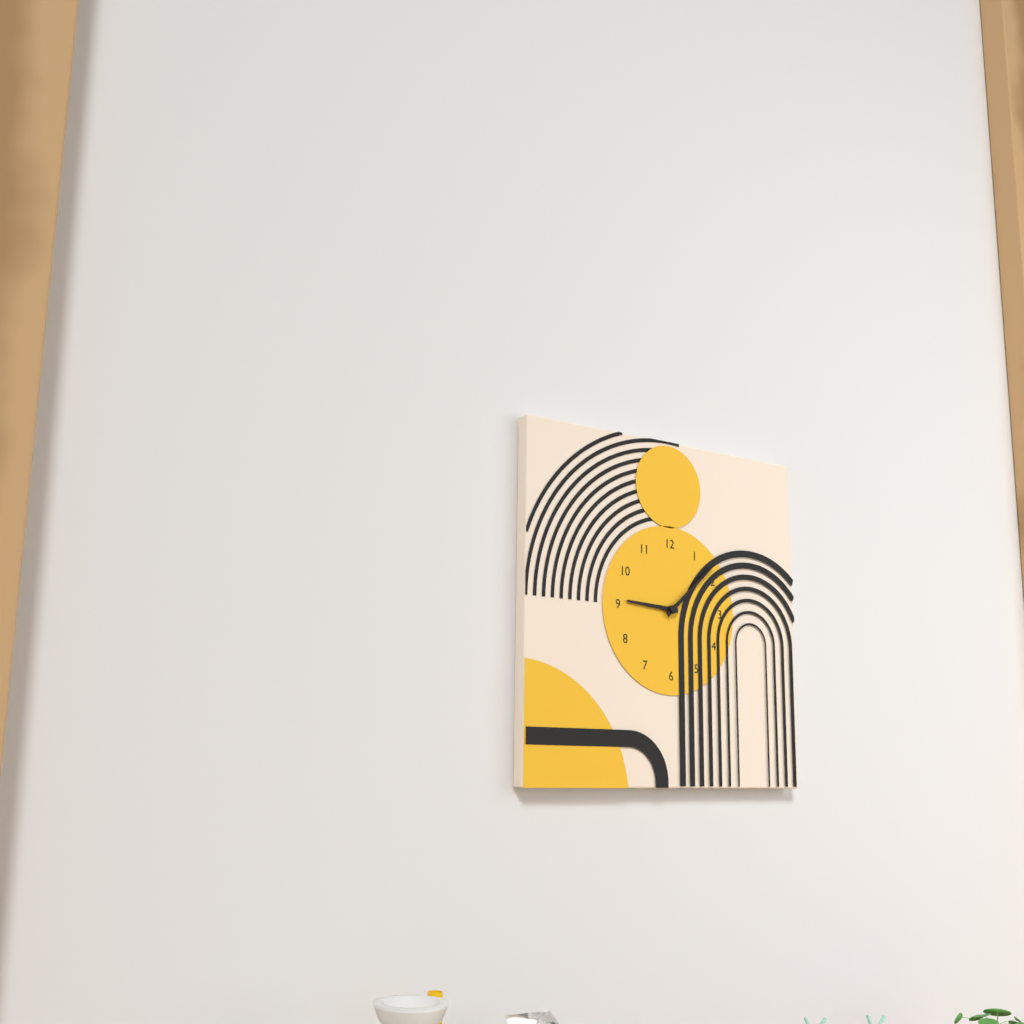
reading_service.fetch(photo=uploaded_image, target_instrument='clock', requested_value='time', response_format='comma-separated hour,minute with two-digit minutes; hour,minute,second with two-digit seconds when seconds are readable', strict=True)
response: 9,08
